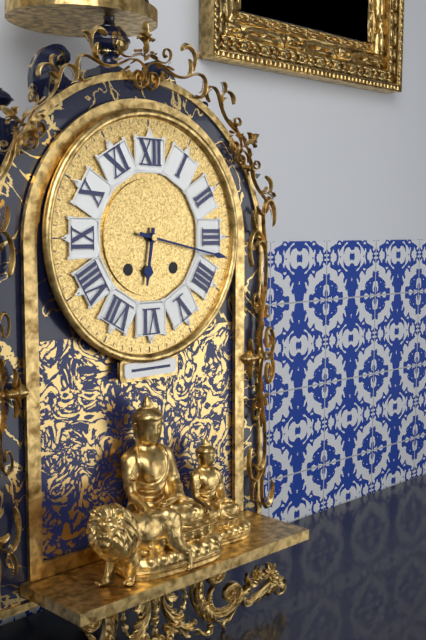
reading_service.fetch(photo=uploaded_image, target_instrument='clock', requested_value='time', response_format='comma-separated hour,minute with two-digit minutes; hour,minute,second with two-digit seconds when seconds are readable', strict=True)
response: 6,17
